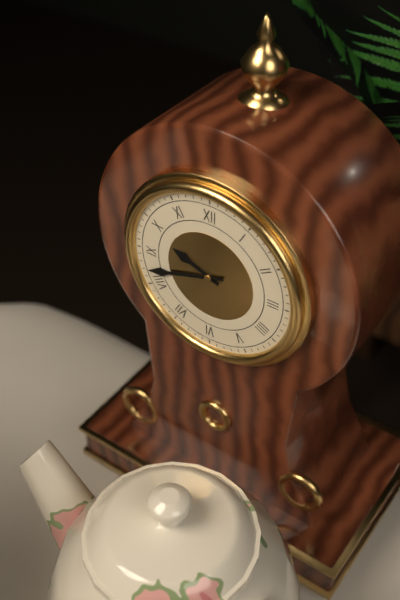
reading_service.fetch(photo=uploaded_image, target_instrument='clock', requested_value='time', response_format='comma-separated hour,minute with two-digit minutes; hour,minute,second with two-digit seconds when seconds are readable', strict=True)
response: 9,42
